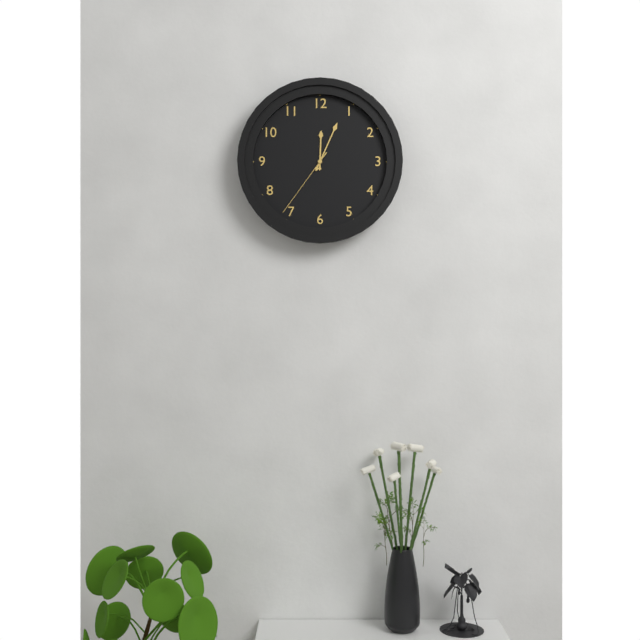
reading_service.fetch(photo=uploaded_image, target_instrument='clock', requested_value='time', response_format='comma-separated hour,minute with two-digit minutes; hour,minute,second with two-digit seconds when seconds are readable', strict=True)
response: 12,04,36
